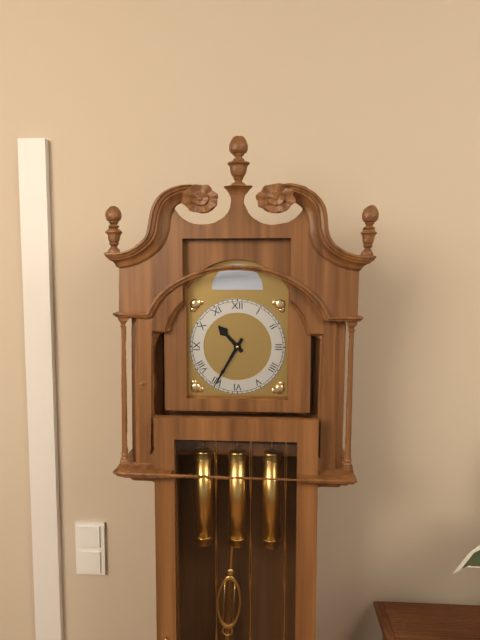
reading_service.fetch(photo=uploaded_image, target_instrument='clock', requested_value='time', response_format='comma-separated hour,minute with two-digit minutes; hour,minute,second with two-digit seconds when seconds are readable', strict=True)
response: 10,35
